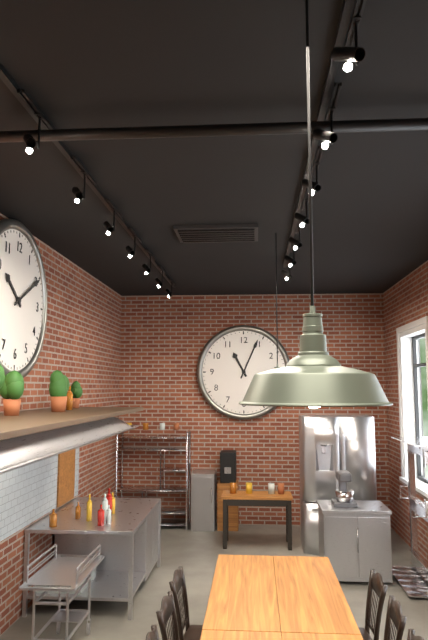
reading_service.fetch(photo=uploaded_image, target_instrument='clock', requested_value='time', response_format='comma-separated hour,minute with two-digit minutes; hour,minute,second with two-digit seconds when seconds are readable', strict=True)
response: 11,04
